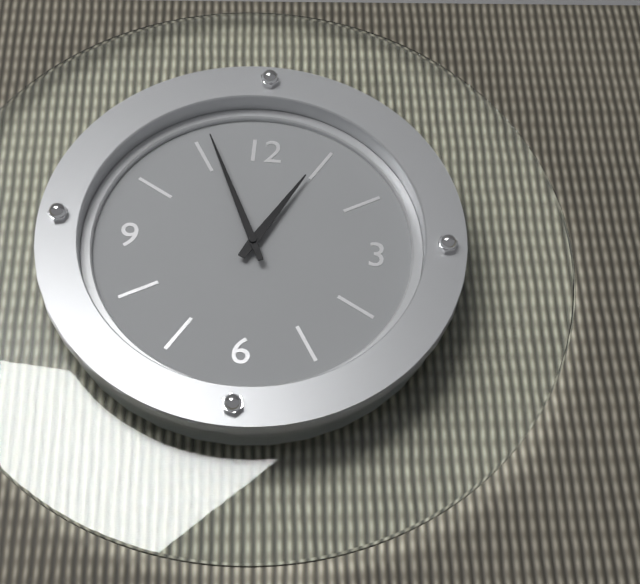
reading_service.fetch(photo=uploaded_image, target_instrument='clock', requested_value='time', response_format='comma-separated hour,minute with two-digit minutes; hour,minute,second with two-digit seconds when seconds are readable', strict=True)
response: 12,56
